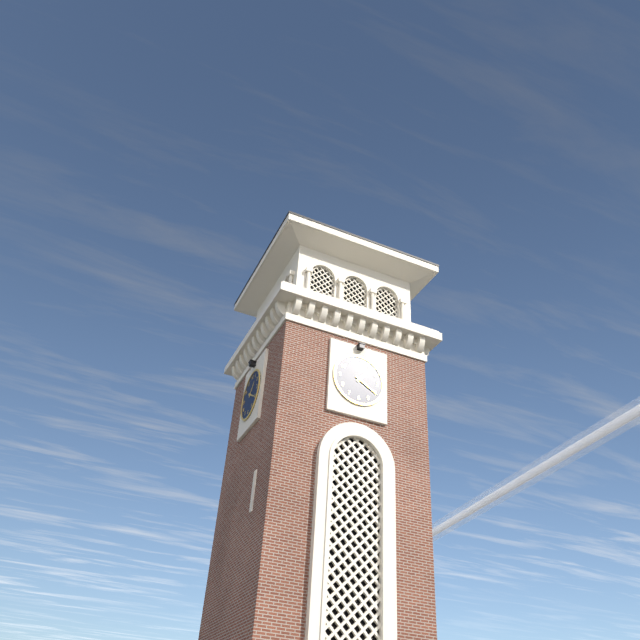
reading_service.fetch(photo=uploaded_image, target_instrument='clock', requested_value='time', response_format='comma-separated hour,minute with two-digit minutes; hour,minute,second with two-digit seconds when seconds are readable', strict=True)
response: 1,20
